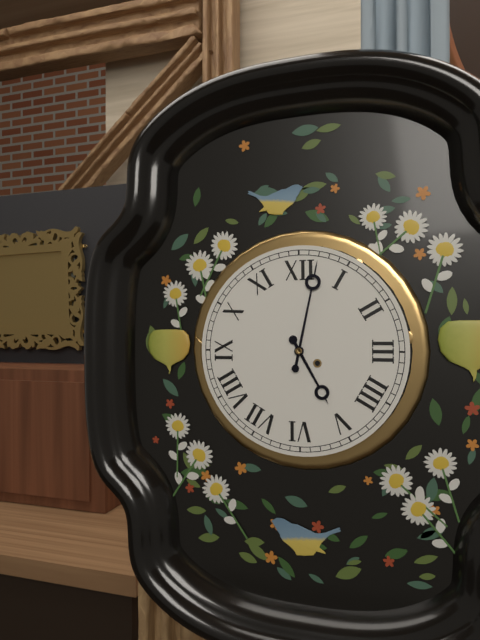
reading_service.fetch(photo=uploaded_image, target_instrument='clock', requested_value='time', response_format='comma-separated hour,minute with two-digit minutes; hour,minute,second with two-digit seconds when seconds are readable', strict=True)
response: 5,02
